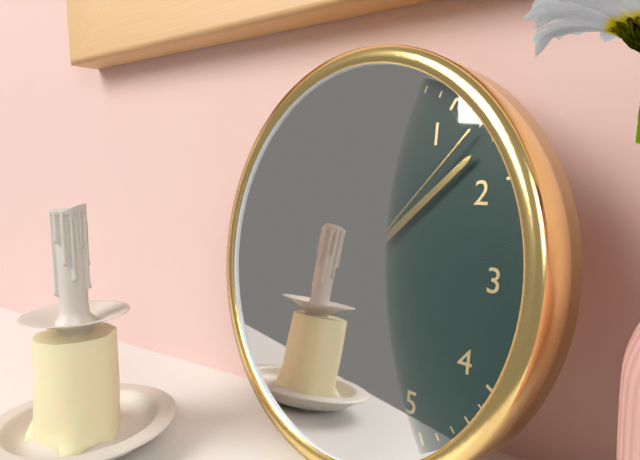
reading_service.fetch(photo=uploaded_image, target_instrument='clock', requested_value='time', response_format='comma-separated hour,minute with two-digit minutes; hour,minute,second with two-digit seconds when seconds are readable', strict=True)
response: 12,08,07
